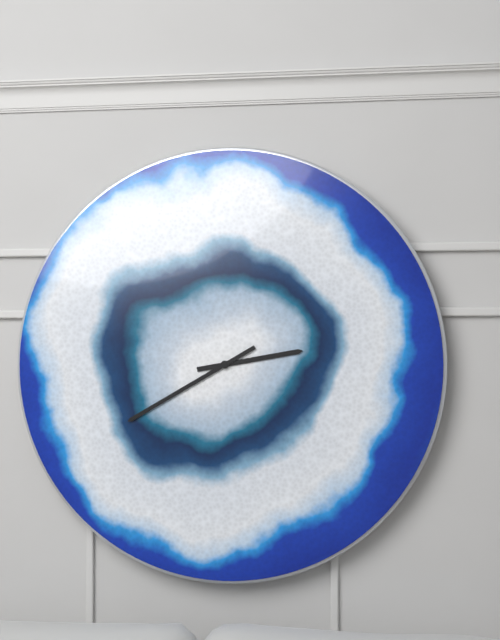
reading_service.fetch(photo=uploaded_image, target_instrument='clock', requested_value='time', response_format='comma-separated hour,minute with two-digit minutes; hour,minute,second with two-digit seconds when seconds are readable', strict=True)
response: 2,40
